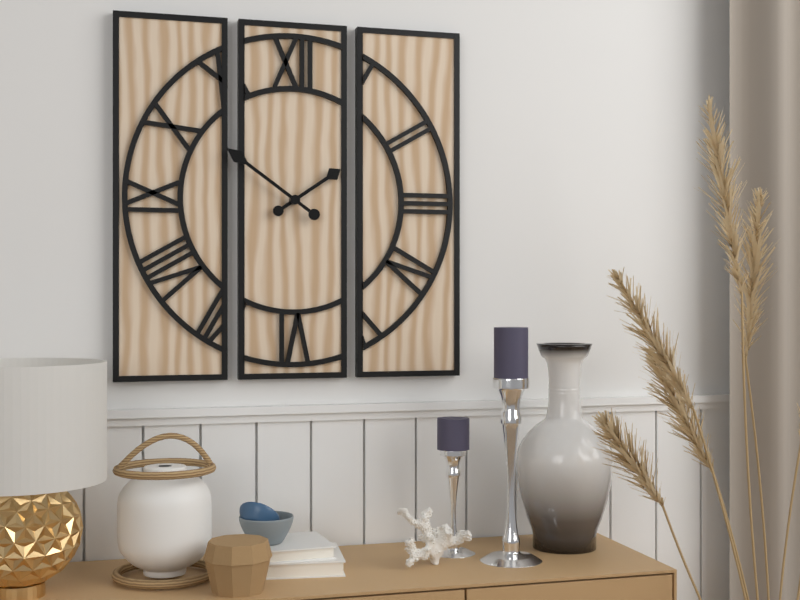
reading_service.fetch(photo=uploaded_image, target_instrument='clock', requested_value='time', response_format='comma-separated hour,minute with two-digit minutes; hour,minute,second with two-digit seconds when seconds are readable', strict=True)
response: 1,51
